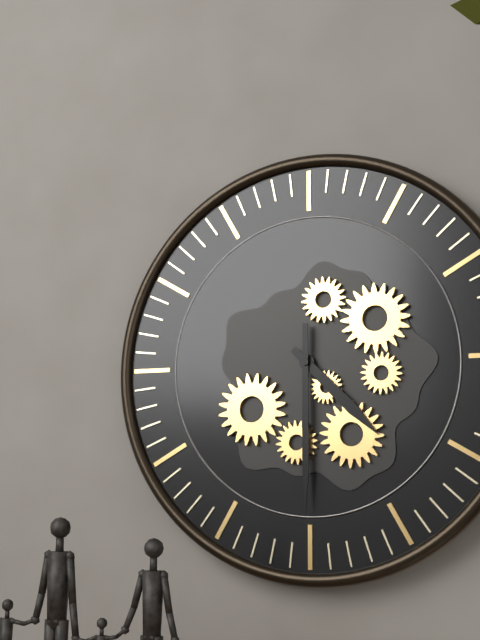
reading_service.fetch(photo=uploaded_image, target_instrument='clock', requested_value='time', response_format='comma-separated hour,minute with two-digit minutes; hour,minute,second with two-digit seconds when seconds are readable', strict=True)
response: 4,30
